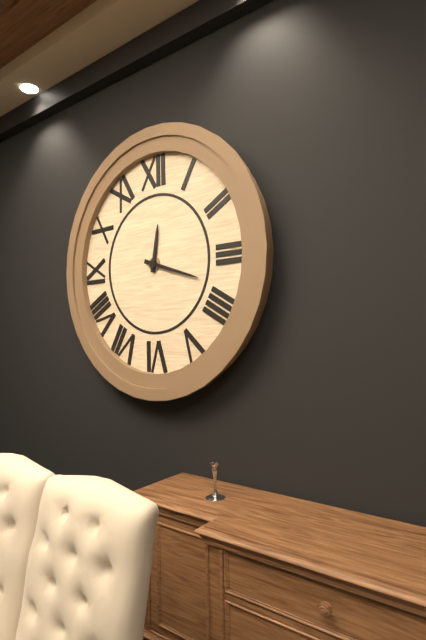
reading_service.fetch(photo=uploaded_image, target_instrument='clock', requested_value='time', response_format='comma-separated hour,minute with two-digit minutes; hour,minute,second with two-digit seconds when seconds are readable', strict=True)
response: 12,18
